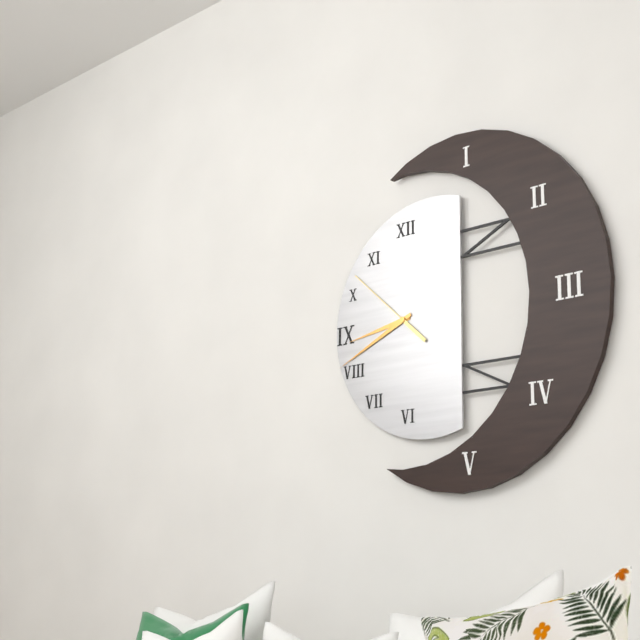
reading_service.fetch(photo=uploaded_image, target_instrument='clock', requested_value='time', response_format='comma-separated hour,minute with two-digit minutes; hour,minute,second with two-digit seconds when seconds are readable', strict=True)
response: 8,41,52
